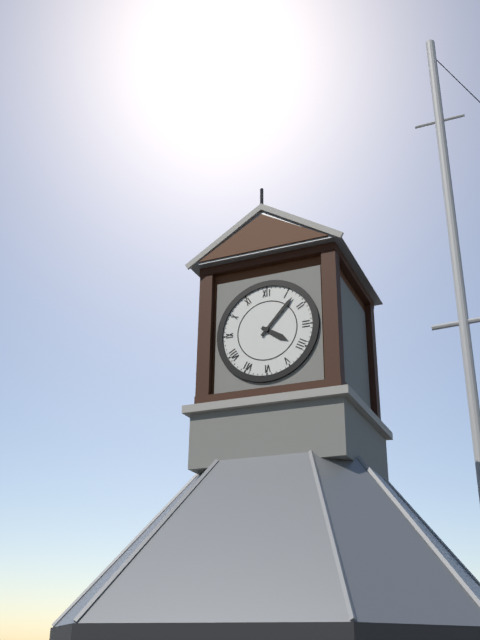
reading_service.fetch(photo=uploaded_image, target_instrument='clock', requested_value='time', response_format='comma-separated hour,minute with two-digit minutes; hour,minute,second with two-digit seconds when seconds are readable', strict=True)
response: 4,07
